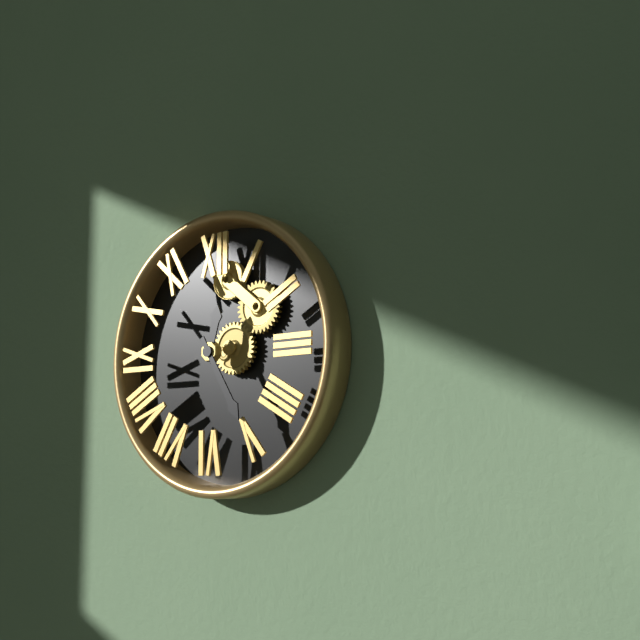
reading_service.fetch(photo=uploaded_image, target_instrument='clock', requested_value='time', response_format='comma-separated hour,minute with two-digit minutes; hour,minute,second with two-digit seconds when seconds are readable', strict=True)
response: 12,25
